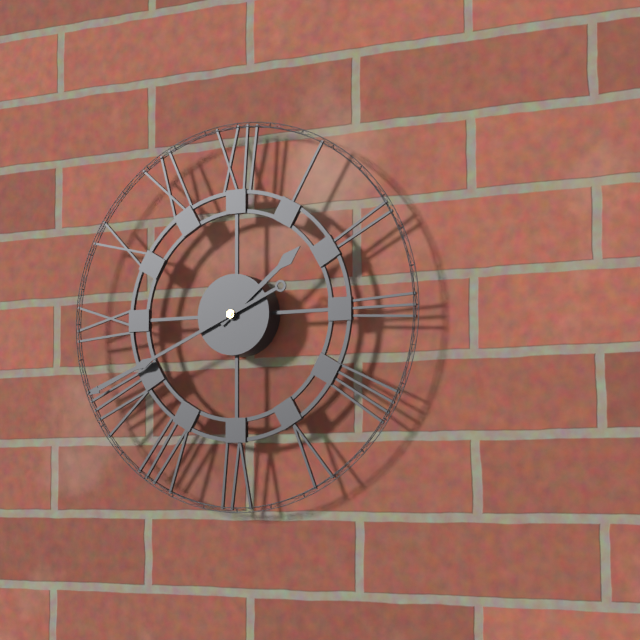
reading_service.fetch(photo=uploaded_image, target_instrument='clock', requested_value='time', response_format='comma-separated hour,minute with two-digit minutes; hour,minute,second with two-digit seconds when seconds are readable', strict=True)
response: 1,41
